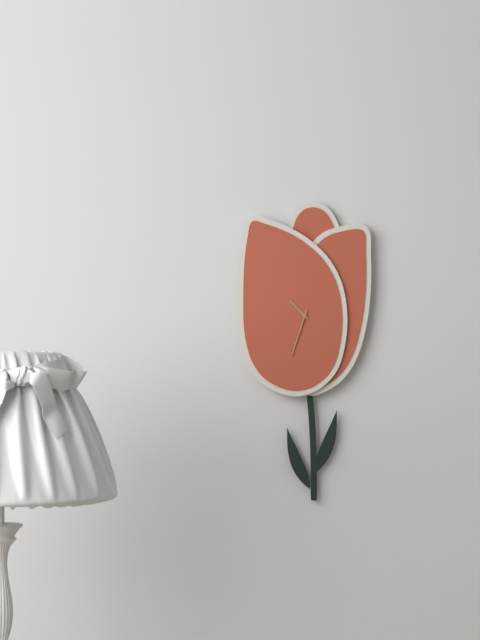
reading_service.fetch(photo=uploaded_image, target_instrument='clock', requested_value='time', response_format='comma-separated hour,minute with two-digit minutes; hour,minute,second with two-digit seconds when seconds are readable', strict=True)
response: 10,33
